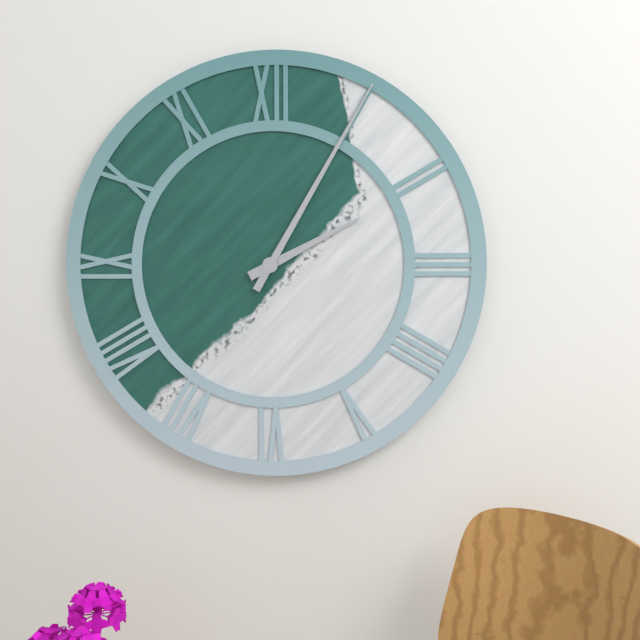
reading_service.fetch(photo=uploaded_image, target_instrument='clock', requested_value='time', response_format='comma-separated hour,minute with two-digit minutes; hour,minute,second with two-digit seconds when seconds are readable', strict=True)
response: 2,05
